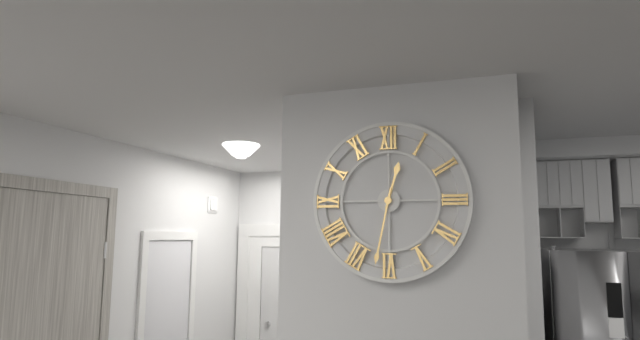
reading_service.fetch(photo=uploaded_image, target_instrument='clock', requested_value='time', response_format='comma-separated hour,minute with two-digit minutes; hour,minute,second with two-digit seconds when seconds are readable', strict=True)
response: 12,32
